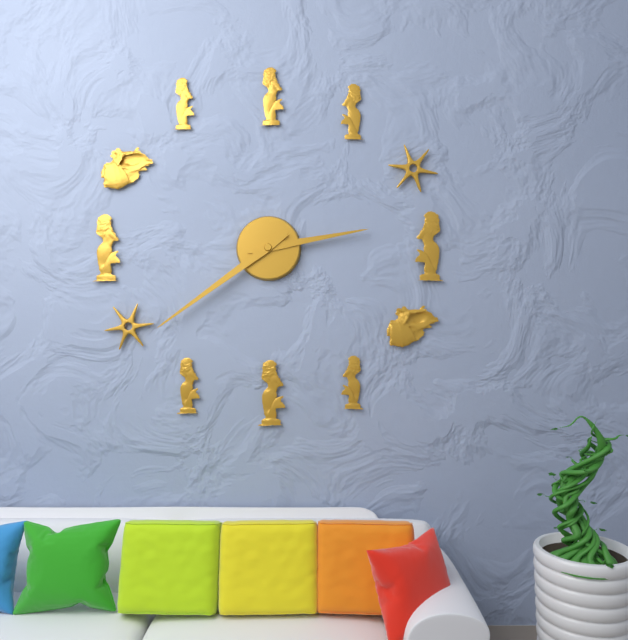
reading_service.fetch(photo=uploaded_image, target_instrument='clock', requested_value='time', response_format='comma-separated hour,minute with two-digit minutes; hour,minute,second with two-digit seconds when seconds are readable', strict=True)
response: 2,39
